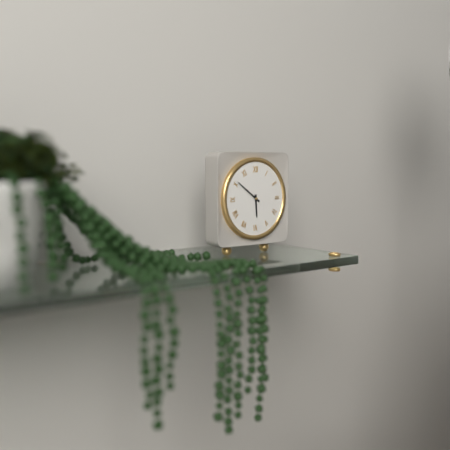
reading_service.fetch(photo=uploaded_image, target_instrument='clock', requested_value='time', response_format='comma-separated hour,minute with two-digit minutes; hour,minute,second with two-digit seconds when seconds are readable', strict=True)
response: 5,51
